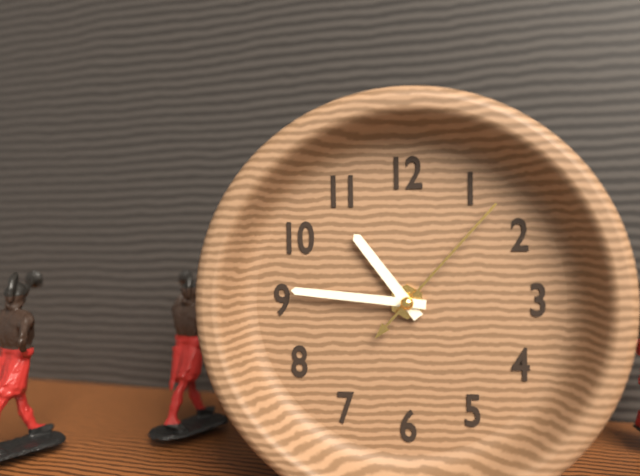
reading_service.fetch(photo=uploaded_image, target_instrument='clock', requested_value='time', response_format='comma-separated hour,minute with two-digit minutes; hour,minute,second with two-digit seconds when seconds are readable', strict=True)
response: 10,46,07
